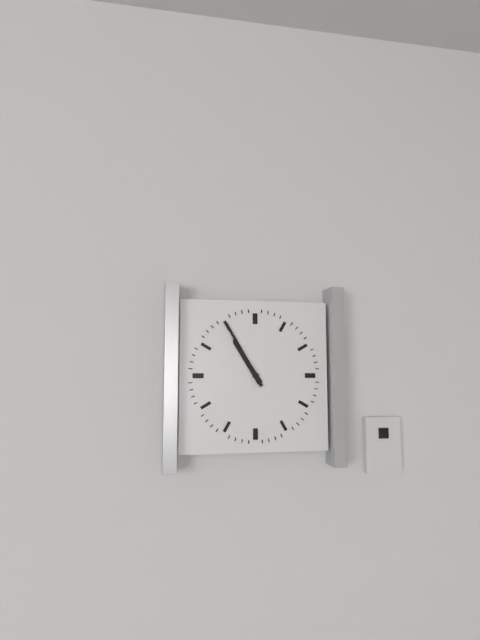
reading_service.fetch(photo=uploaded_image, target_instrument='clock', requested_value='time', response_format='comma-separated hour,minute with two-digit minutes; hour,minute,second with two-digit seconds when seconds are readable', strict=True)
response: 10,55
